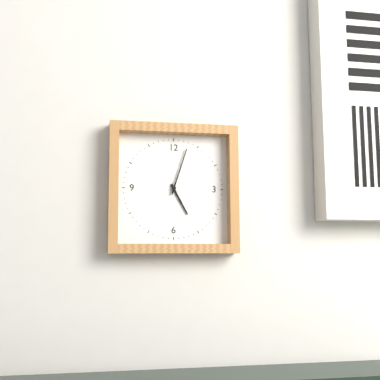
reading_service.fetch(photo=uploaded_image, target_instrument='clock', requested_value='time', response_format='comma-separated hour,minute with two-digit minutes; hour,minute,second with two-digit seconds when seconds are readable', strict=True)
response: 5,03
